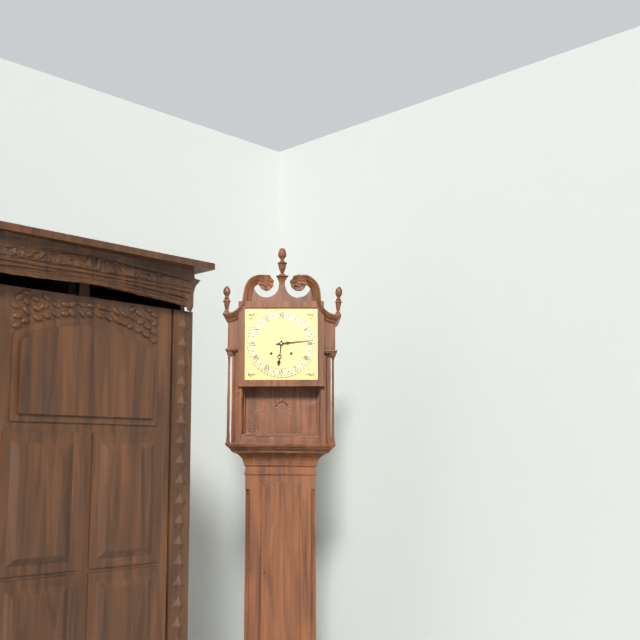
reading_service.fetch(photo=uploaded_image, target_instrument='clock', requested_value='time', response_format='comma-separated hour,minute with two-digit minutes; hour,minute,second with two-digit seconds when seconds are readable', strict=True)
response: 6,14
